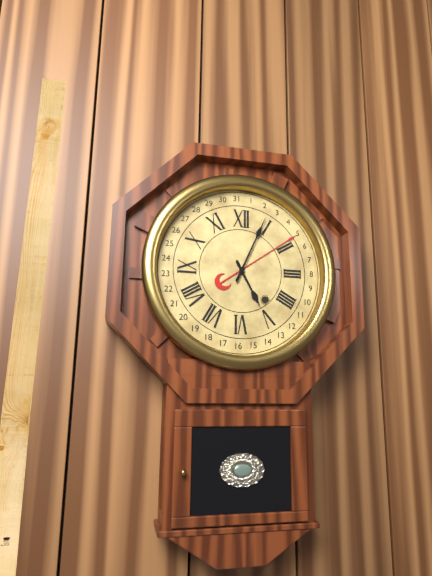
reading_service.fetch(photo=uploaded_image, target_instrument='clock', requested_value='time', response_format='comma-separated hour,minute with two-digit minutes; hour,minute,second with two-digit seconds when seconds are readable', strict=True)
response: 5,04
